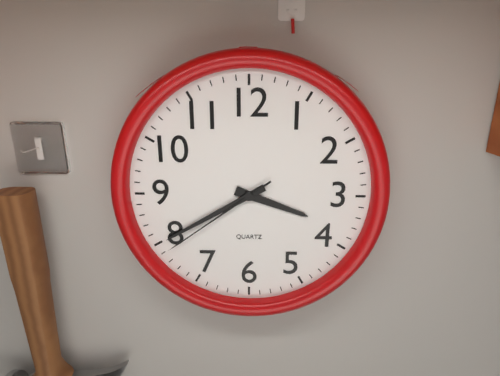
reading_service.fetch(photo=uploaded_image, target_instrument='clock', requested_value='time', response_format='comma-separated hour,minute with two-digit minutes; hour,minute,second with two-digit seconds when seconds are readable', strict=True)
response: 3,40,39
